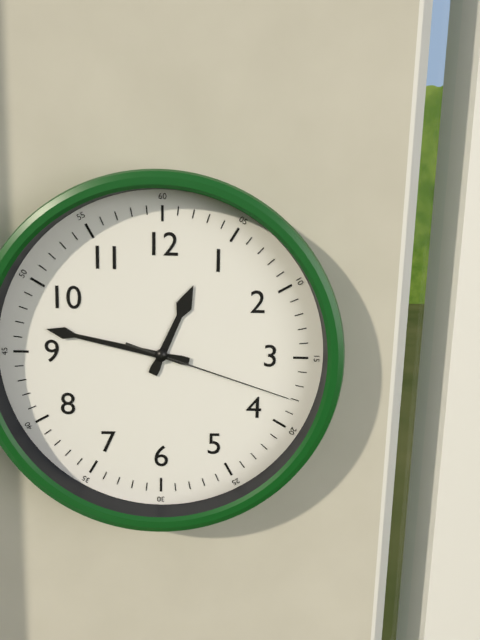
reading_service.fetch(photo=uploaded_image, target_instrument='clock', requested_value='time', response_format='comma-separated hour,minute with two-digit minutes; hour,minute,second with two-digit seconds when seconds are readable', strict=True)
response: 12,47,18
